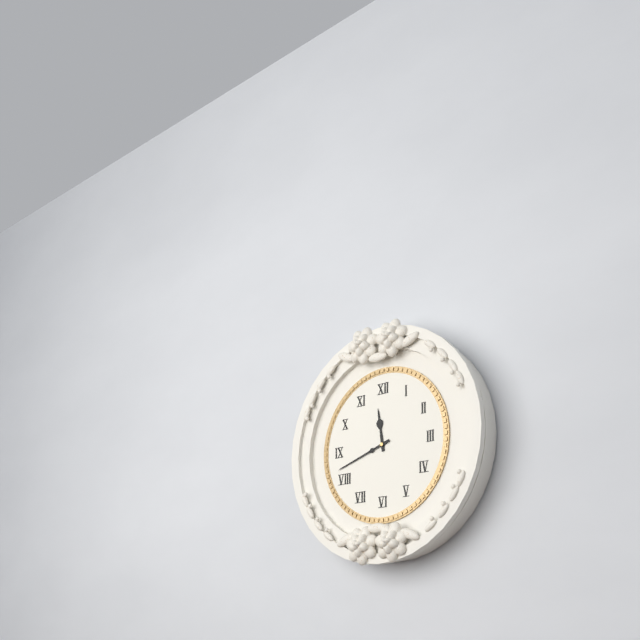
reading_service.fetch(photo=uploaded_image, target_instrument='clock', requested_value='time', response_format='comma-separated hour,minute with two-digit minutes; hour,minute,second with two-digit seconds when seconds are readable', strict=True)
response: 11,42
